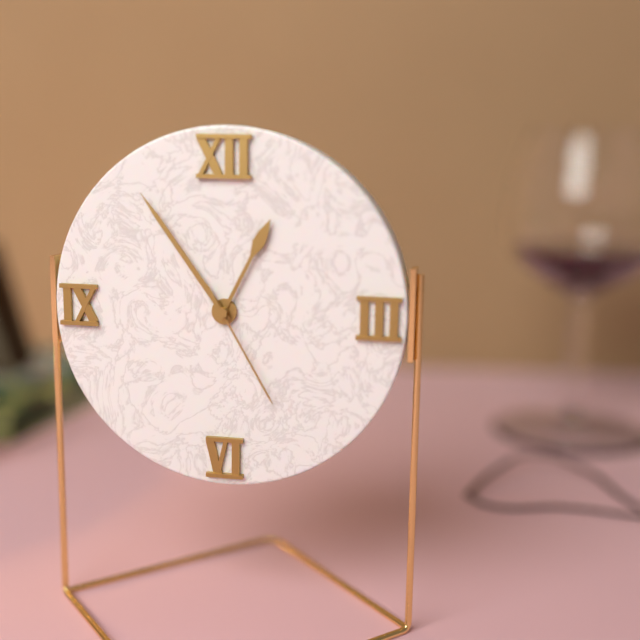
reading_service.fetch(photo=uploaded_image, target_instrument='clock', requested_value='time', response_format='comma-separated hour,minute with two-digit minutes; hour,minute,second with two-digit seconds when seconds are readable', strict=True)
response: 12,54,25
